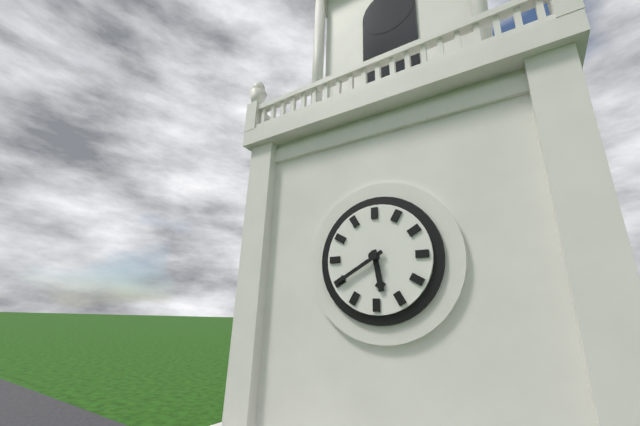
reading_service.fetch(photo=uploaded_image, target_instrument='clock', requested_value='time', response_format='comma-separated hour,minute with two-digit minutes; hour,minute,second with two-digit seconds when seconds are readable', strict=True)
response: 5,40
